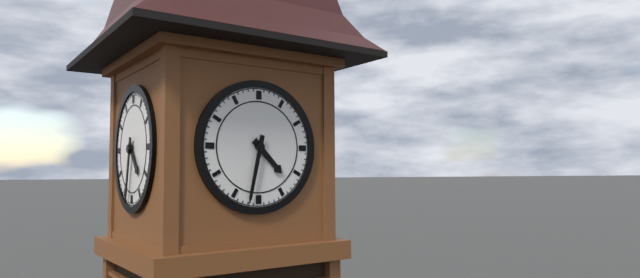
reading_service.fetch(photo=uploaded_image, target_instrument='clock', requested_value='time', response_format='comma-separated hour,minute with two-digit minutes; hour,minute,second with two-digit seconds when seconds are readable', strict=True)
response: 4,32
